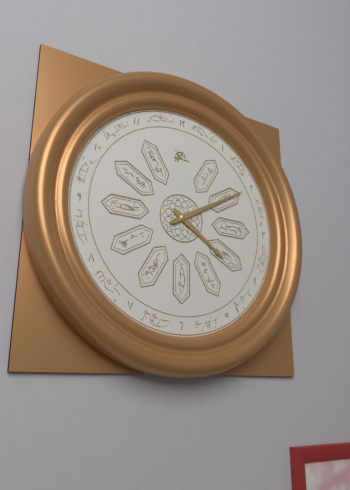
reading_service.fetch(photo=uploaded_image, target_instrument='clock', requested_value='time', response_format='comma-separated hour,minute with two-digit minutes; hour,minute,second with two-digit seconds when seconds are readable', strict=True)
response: 4,10
